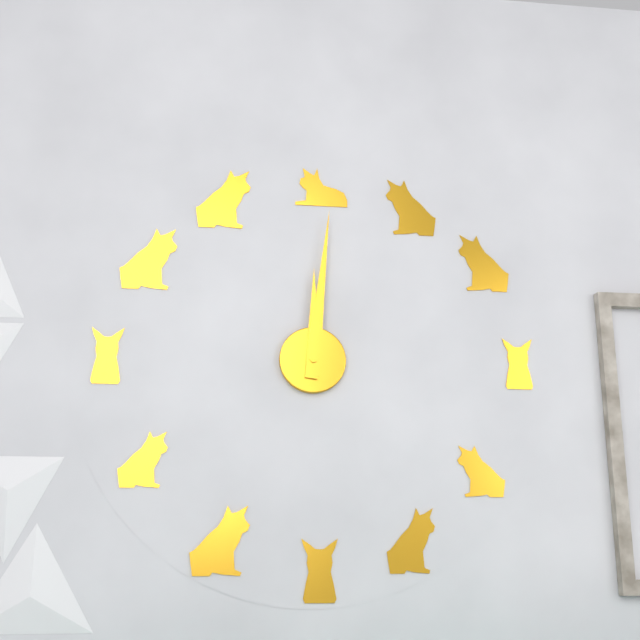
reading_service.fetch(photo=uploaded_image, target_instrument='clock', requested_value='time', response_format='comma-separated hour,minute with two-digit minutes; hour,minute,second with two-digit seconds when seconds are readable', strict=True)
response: 12,01
